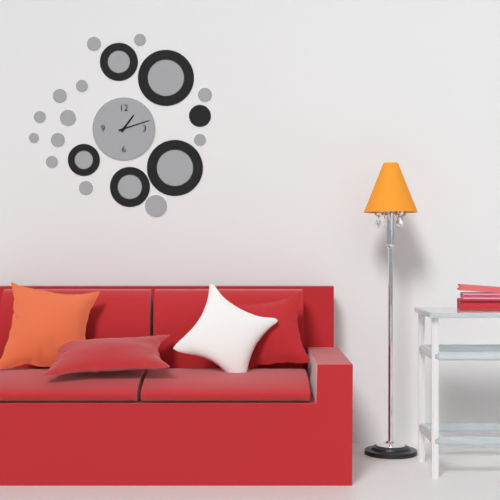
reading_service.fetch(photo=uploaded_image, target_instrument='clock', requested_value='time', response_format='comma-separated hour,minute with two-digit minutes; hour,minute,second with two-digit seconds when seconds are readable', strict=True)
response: 1,12
